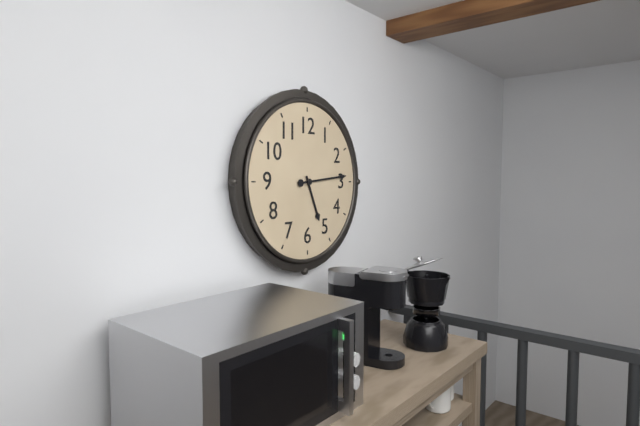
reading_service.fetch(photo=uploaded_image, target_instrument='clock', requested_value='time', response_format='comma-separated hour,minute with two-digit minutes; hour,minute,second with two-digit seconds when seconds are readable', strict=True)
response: 5,14
